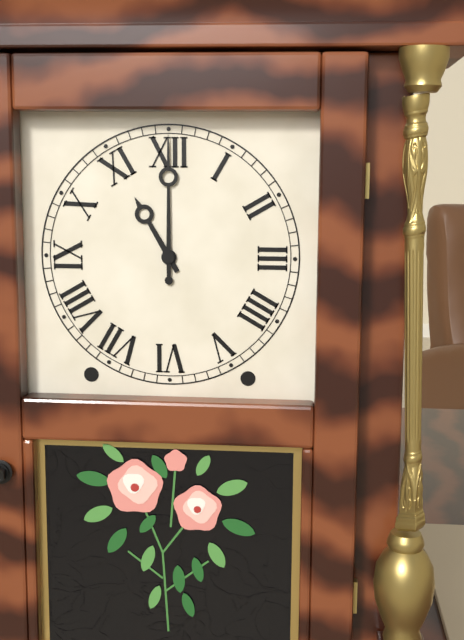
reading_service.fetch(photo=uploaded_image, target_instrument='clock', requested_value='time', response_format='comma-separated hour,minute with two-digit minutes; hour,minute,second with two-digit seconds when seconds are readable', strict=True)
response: 11,00
